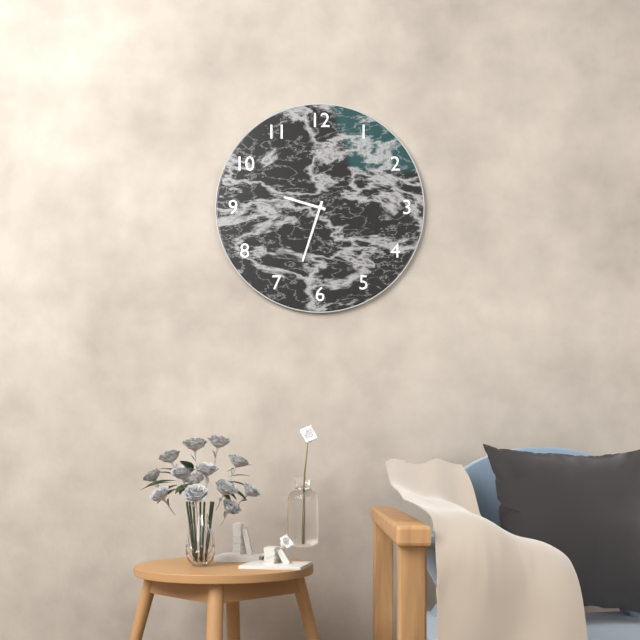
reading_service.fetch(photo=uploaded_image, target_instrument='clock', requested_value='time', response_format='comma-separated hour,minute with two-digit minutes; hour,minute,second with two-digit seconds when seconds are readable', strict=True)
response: 9,33
